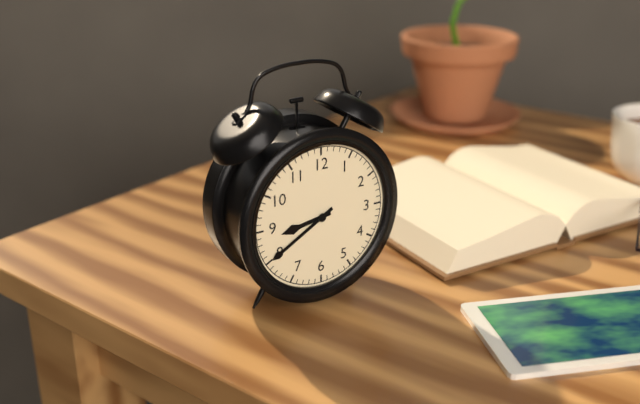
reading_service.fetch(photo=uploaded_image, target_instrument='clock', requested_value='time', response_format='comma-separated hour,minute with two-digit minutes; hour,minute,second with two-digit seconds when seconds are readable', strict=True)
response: 8,40
